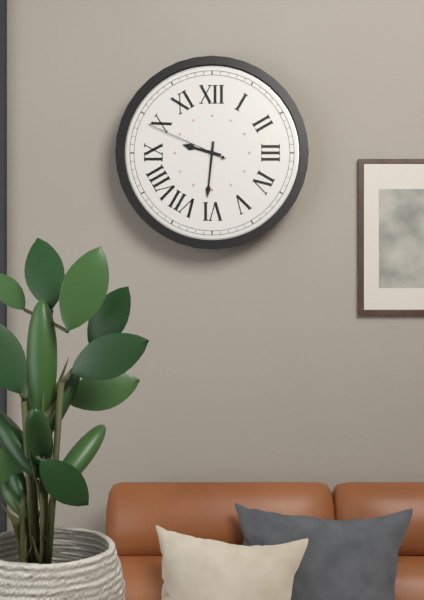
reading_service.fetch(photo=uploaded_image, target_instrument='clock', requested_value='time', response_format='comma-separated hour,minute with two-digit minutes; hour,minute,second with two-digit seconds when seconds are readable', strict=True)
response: 9,31,49
